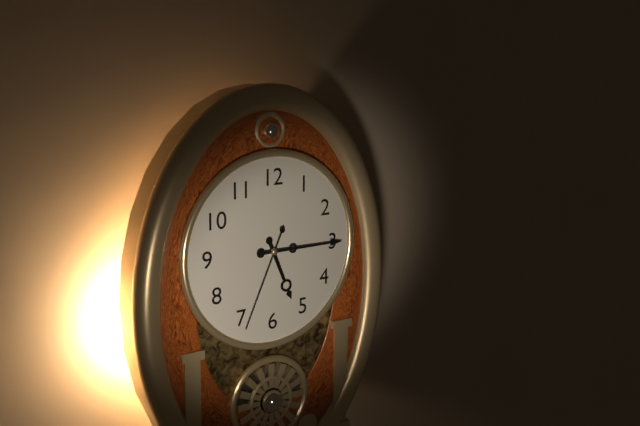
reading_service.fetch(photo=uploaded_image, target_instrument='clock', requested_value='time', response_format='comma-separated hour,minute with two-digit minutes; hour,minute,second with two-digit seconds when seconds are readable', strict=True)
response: 5,15,34
